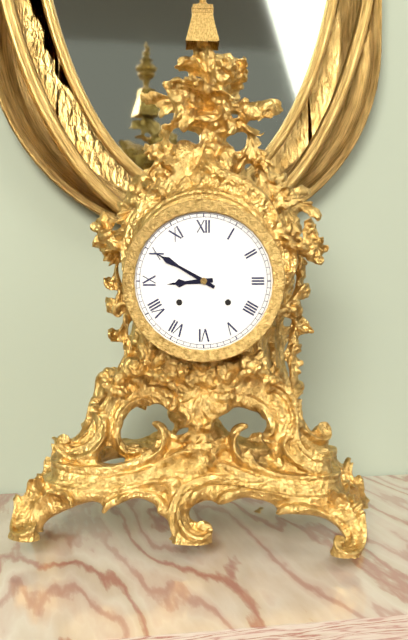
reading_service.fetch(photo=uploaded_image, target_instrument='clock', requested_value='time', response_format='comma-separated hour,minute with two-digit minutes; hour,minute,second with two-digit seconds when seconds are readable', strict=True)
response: 8,50
